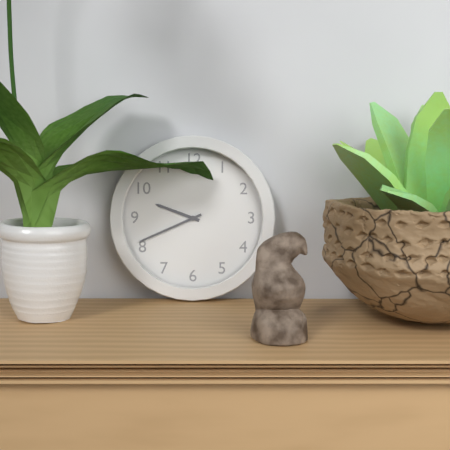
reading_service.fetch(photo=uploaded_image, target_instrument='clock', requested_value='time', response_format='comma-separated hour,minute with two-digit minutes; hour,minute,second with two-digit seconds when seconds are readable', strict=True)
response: 9,41
